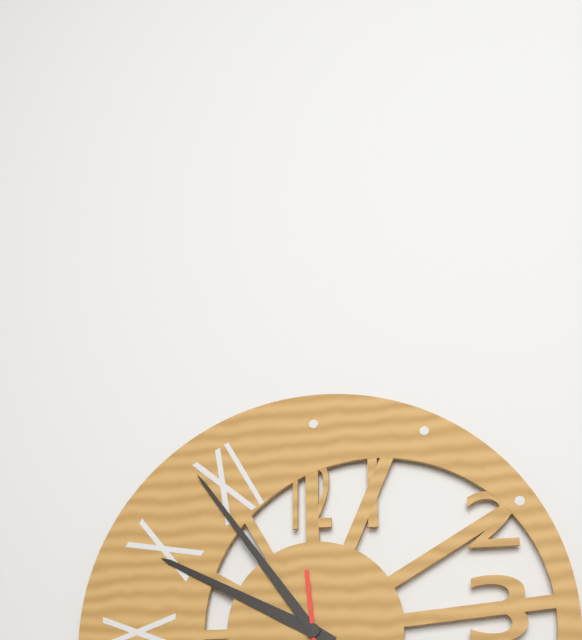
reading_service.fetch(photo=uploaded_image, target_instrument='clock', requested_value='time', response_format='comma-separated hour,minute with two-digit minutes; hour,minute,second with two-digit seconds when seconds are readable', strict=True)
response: 9,54
